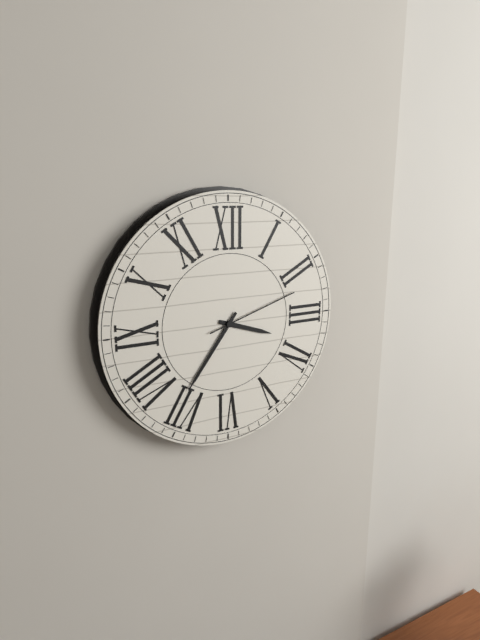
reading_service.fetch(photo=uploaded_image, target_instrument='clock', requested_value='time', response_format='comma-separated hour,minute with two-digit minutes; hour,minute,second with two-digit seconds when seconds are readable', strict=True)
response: 3,36,12
